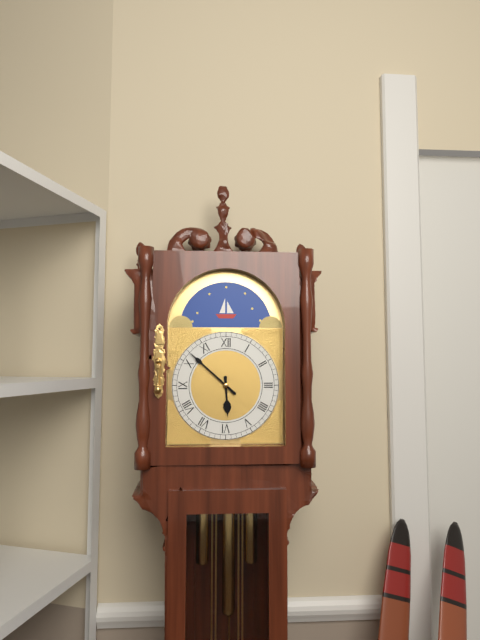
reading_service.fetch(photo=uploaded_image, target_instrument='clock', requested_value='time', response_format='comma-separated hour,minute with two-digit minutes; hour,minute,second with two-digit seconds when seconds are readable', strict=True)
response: 5,52
